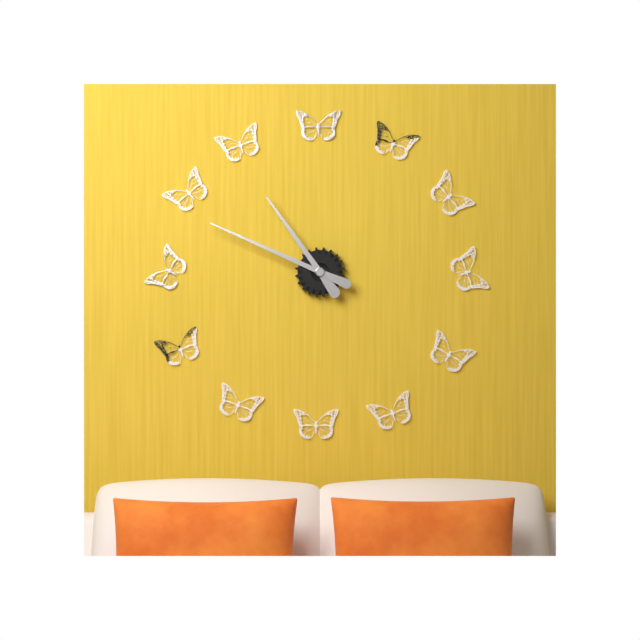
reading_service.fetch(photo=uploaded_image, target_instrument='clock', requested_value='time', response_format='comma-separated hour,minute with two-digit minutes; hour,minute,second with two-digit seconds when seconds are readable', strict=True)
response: 10,49
